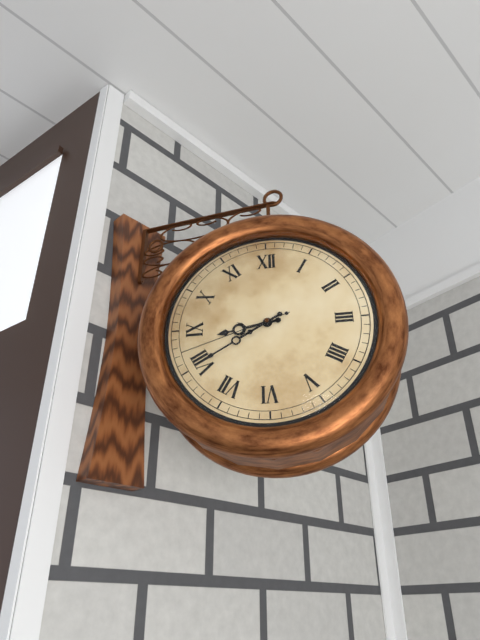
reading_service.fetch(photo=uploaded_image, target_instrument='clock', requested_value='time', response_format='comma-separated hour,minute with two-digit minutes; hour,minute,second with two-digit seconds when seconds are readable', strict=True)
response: 8,40,42
